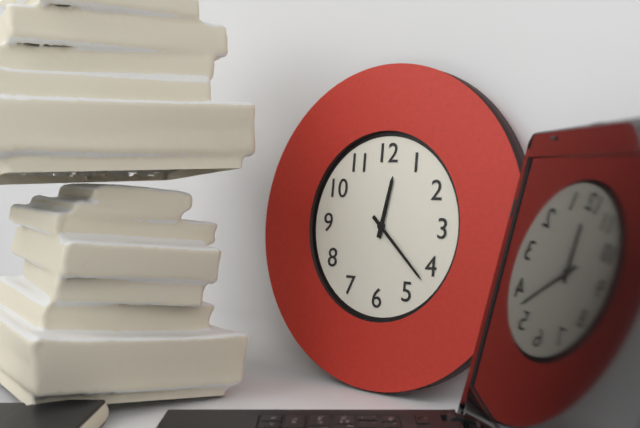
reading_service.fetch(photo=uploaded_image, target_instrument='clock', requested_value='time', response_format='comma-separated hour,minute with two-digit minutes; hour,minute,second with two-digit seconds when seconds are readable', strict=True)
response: 12,22
